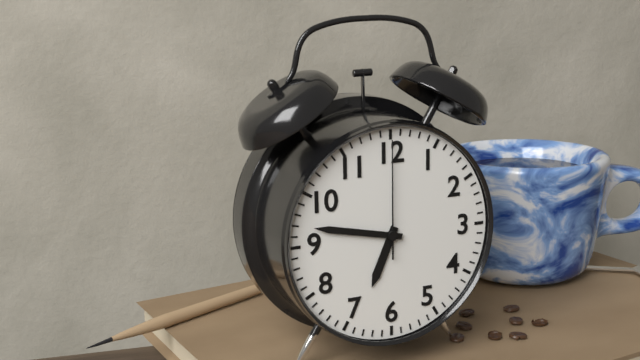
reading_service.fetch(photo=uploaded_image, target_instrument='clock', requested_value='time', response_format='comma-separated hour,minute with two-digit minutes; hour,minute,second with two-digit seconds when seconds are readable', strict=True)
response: 6,47,00
